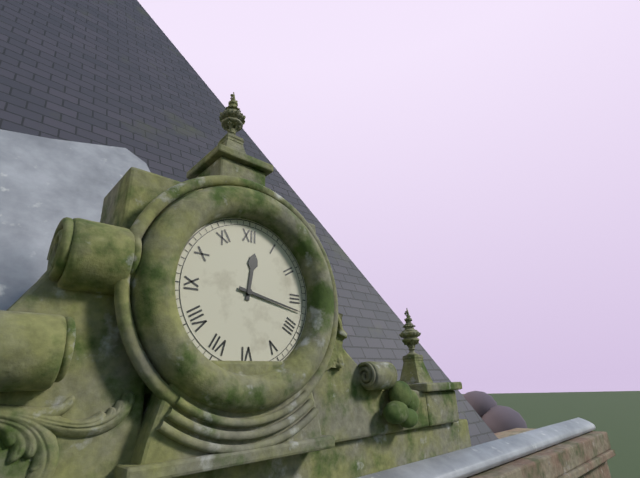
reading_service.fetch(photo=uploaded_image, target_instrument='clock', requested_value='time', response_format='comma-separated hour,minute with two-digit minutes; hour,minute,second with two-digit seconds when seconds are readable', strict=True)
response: 12,17
